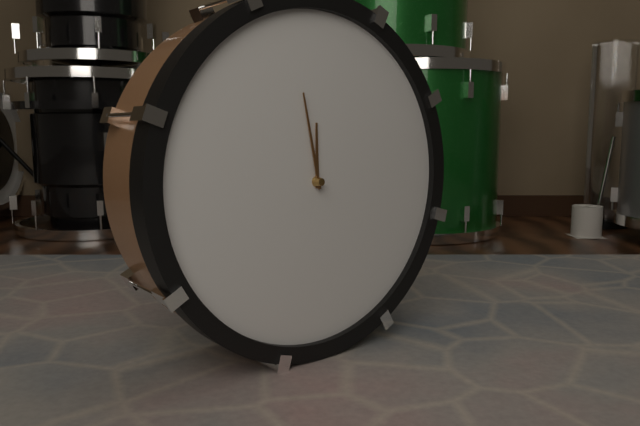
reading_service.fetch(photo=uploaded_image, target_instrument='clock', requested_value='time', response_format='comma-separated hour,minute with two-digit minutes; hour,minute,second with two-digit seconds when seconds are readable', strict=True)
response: 11,58
